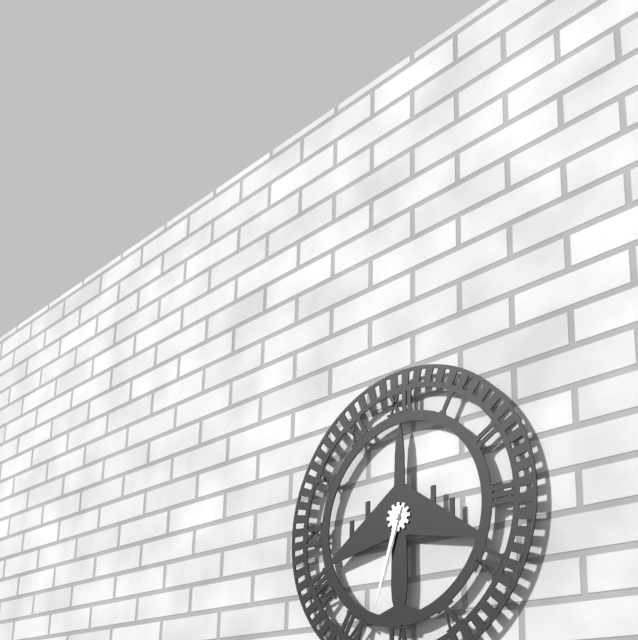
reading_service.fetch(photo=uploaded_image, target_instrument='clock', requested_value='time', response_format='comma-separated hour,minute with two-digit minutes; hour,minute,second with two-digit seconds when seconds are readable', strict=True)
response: 6,33
